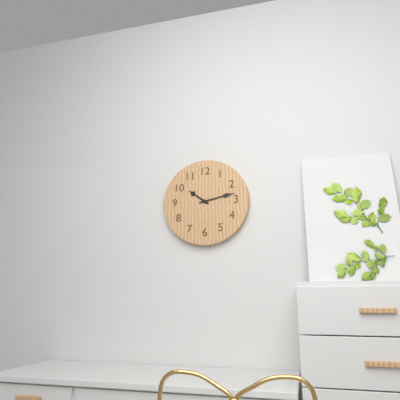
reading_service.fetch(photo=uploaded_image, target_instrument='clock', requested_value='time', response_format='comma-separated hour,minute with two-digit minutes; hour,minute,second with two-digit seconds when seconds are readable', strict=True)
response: 10,13
